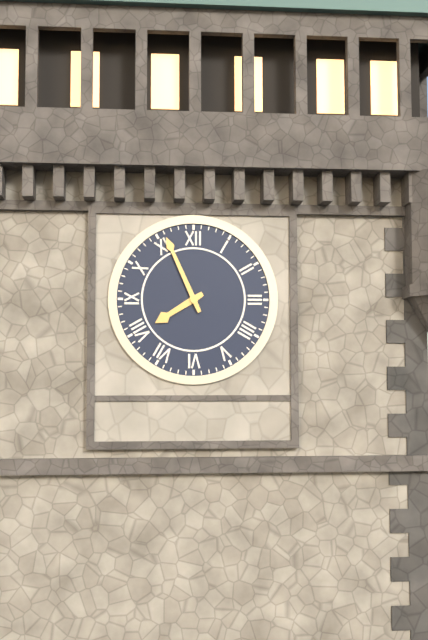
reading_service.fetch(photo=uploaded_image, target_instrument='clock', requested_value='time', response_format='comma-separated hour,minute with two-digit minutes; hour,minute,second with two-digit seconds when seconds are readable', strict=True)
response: 7,56
